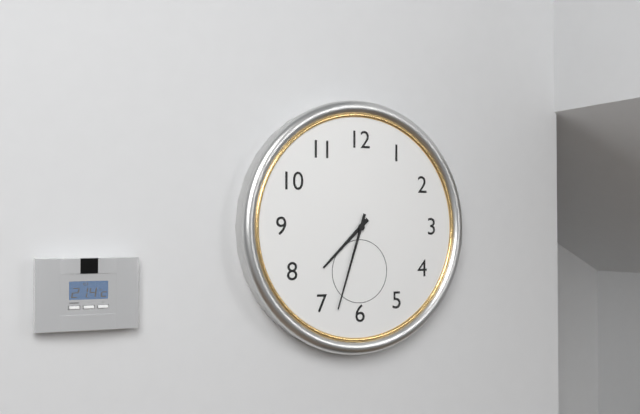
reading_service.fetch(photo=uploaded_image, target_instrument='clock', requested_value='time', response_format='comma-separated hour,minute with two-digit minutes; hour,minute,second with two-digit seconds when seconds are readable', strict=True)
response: 7,33
